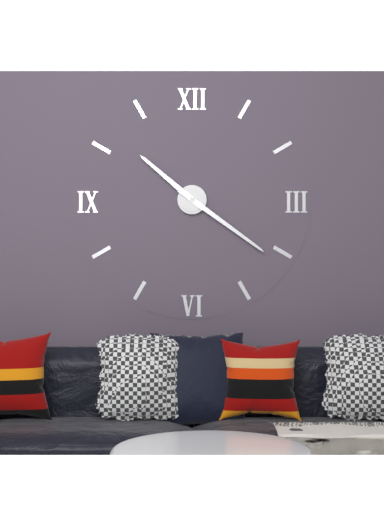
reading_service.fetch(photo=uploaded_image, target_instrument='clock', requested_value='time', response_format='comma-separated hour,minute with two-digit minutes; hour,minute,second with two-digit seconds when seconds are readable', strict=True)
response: 10,21
